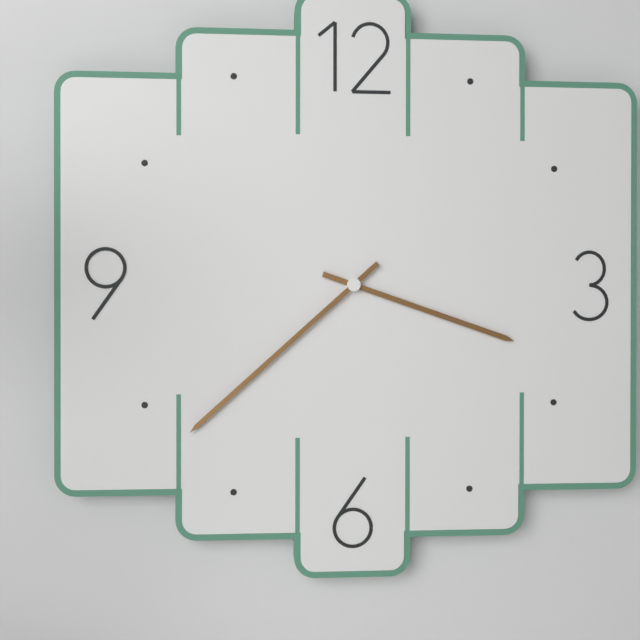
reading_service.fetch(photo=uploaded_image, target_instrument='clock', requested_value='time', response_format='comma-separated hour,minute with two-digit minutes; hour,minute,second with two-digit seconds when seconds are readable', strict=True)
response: 3,38
